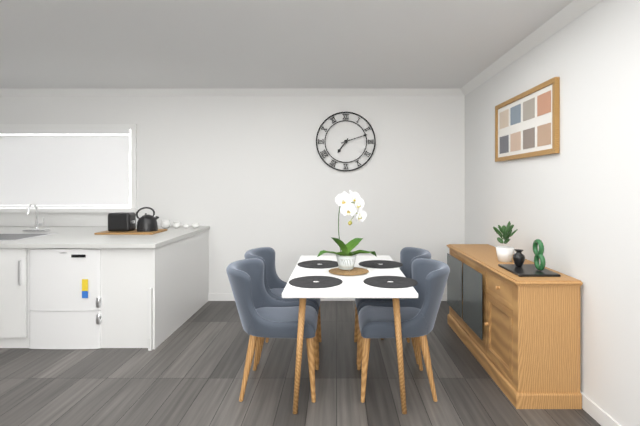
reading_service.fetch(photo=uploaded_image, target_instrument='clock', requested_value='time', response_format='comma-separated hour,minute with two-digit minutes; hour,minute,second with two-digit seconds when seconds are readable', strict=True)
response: 7,12
